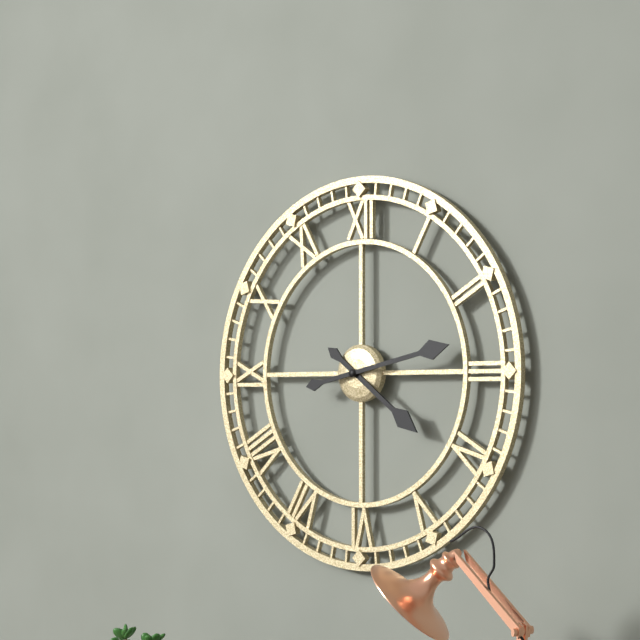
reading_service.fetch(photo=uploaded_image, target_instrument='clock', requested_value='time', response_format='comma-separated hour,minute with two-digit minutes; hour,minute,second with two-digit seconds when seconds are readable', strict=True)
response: 4,13
